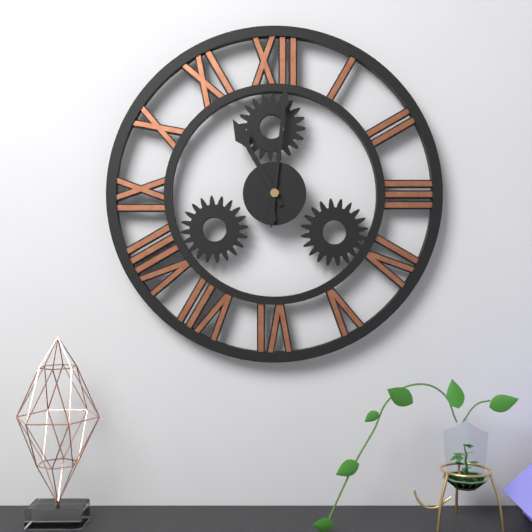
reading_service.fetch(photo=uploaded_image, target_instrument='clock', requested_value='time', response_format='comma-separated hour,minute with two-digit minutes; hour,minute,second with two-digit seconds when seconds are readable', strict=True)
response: 11,01
